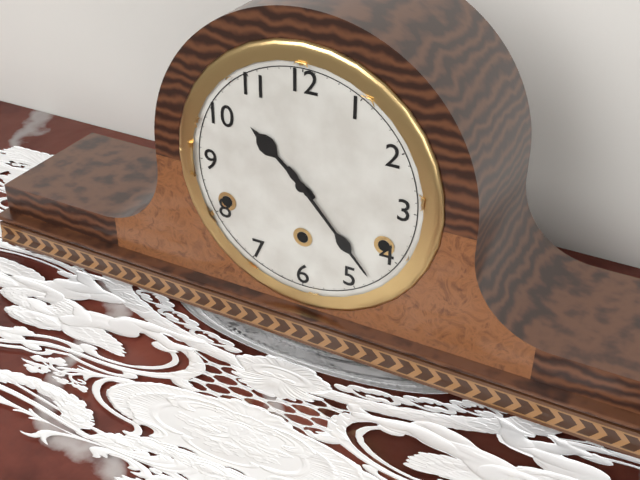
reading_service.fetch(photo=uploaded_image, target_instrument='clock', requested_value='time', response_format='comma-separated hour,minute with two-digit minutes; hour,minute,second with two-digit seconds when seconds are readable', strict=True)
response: 10,23
